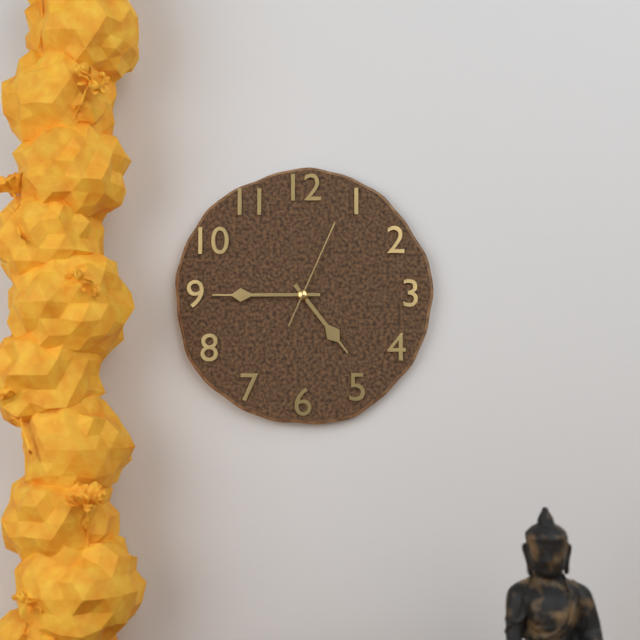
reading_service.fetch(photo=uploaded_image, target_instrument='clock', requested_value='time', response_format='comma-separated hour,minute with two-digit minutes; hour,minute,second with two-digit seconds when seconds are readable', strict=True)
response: 4,45,04
